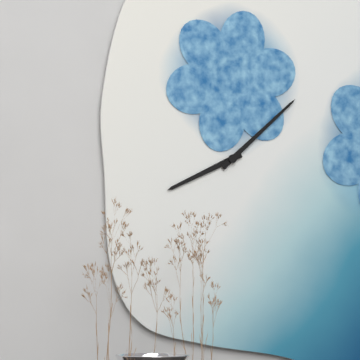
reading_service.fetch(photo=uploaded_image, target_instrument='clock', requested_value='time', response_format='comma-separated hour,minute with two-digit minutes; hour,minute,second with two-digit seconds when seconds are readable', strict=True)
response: 8,08
